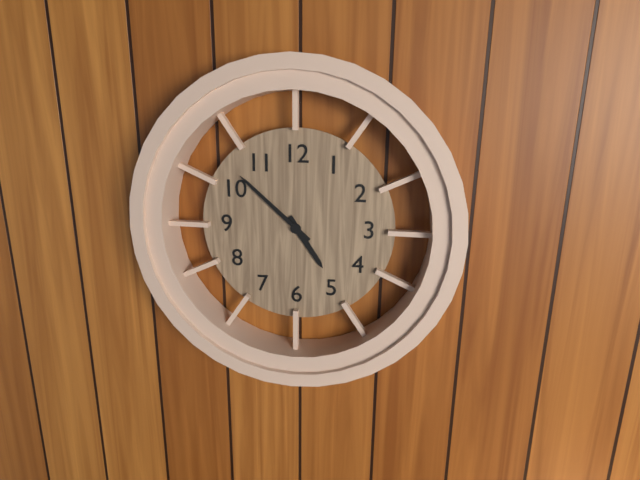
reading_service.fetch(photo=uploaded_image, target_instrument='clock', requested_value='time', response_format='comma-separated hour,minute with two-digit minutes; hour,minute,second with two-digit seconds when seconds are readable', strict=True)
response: 4,52
